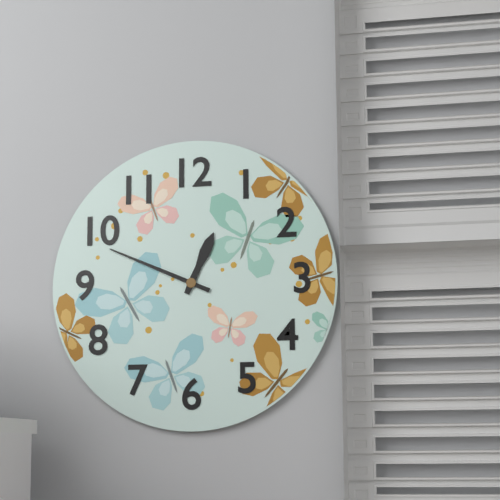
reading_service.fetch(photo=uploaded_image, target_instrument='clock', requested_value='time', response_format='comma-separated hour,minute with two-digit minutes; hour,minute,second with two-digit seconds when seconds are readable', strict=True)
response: 12,49
